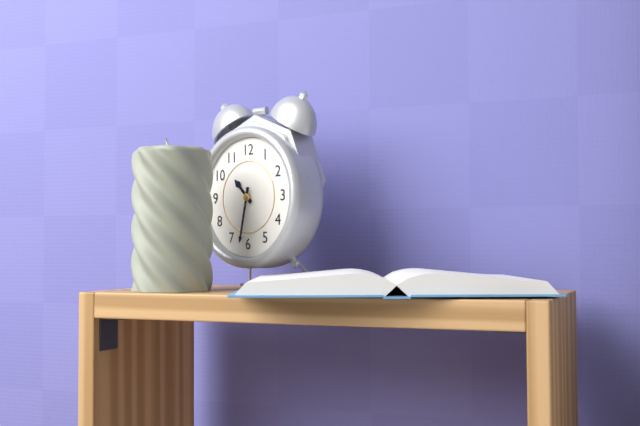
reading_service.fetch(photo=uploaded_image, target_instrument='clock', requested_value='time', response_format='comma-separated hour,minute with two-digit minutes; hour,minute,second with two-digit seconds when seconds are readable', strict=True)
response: 10,32
